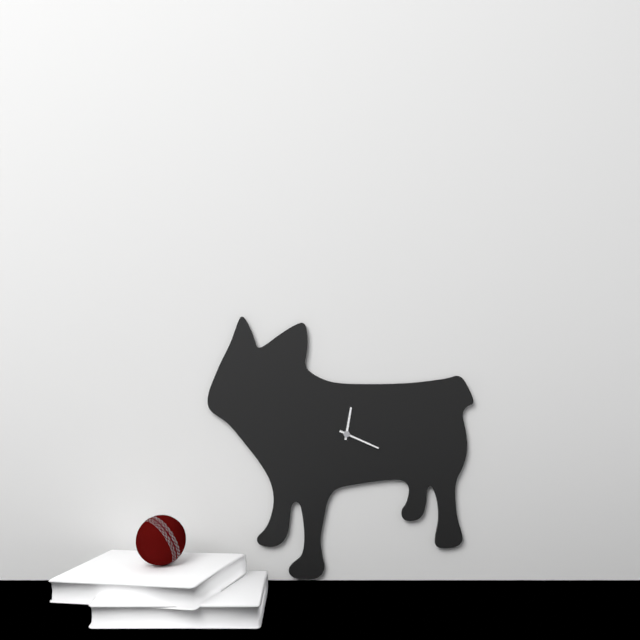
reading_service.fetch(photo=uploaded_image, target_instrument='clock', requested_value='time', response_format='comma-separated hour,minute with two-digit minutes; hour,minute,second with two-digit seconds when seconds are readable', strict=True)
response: 12,19
